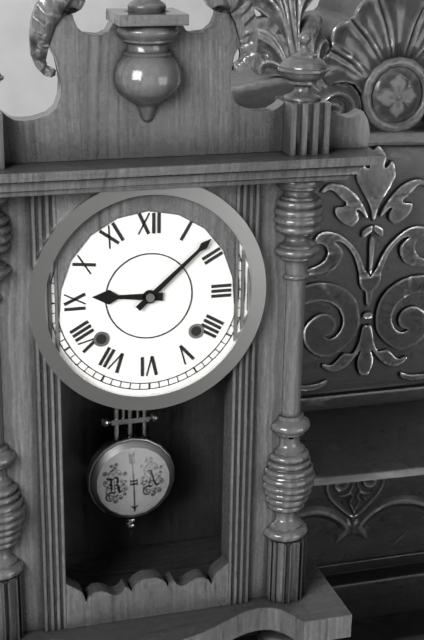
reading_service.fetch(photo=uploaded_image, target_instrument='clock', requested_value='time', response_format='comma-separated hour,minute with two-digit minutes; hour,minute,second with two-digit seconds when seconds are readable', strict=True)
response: 9,08
